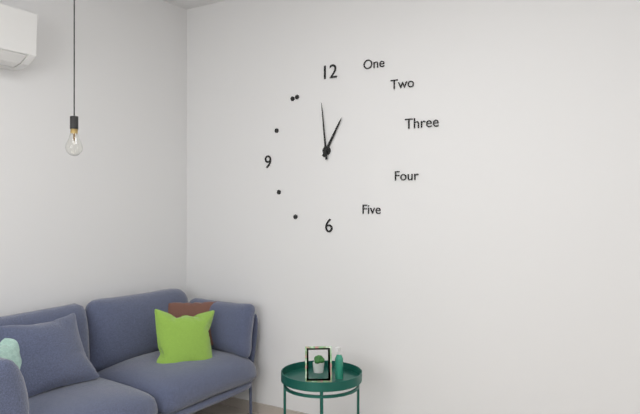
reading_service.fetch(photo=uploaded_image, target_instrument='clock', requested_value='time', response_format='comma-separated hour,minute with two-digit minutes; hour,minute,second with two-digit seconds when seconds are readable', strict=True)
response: 12,59
